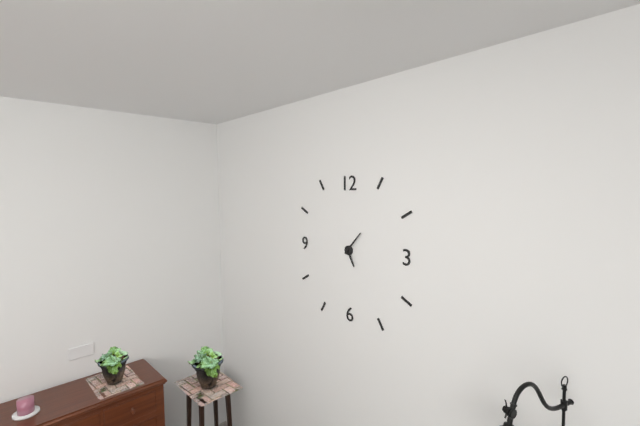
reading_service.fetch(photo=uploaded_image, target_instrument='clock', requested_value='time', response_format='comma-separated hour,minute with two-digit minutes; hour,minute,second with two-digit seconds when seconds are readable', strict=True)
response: 5,07
